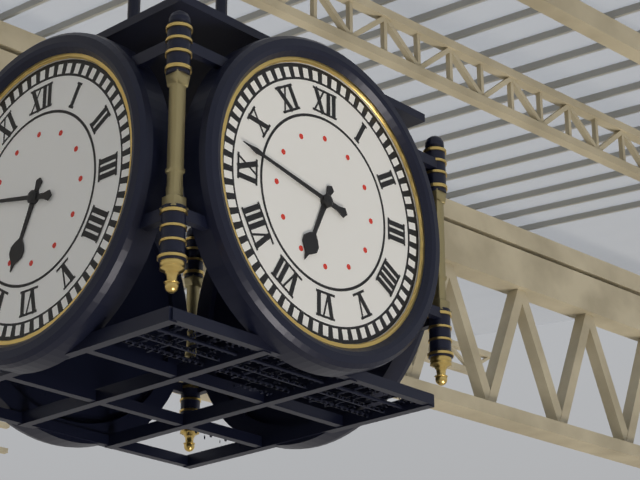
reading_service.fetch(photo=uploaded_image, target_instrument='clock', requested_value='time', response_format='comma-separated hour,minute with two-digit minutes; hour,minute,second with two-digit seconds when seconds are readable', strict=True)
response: 6,47
